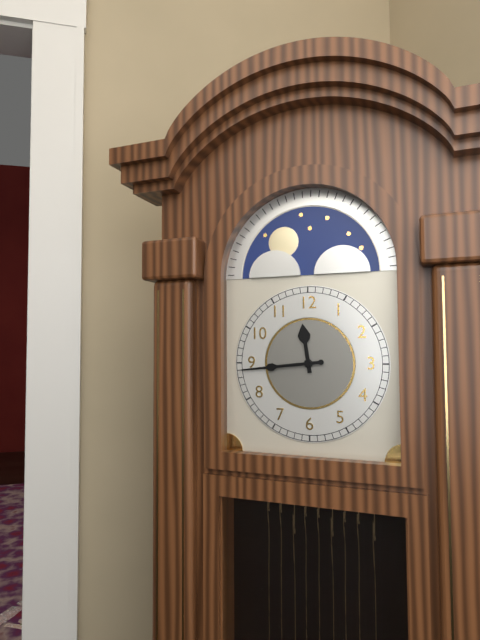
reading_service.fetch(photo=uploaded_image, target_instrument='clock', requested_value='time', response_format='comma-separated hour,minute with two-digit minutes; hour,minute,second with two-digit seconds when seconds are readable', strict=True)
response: 11,44
